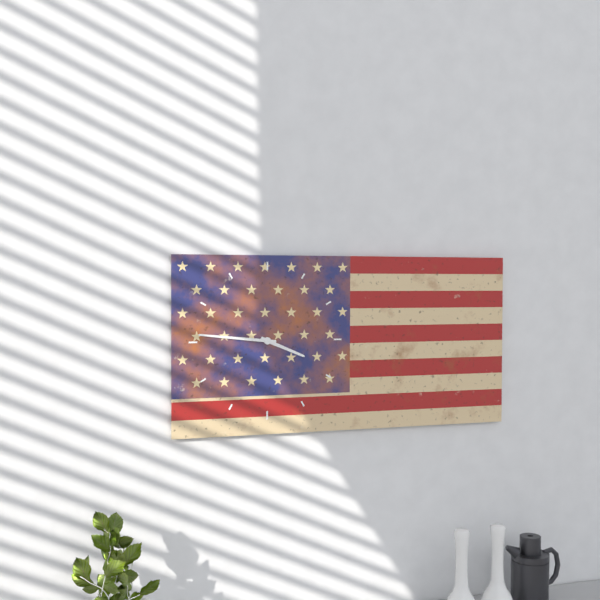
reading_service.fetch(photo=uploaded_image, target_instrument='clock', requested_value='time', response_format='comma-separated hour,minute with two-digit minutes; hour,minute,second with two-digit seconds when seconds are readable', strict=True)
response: 3,46
